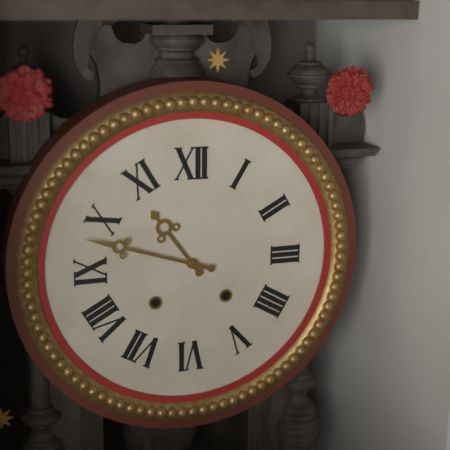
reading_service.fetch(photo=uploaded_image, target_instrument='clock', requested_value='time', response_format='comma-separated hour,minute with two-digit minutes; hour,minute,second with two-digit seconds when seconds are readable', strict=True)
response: 10,48
